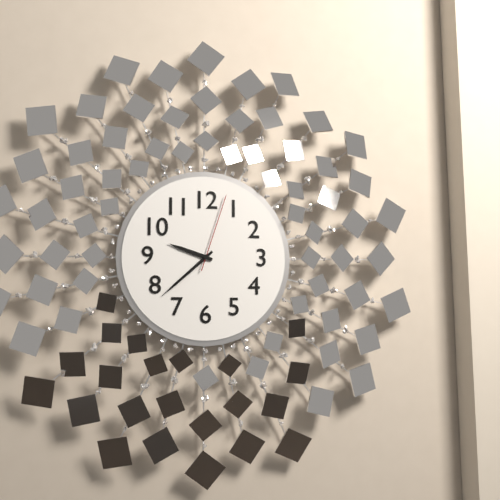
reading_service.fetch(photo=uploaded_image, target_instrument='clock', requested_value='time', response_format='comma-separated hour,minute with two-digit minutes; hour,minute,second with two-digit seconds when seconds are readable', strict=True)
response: 9,38,03
